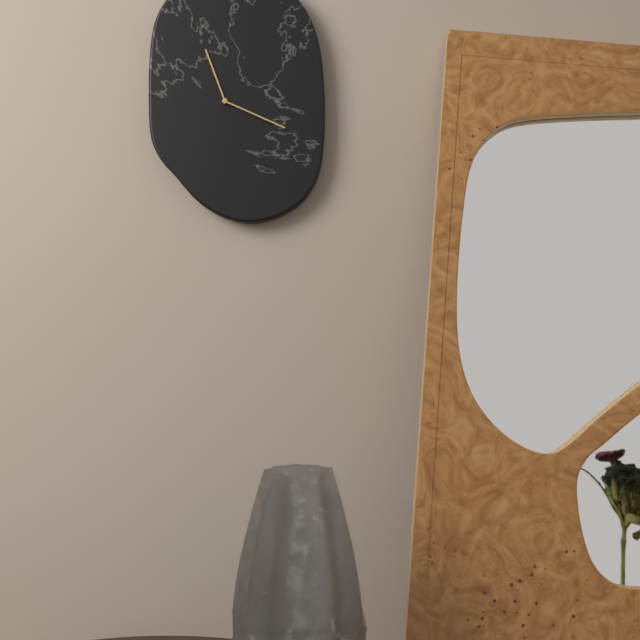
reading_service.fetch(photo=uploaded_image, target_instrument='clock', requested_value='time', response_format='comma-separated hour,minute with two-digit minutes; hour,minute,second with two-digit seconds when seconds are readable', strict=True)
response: 11,19
